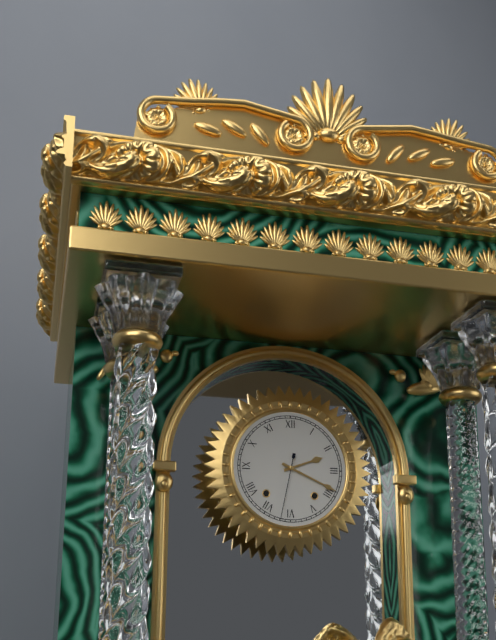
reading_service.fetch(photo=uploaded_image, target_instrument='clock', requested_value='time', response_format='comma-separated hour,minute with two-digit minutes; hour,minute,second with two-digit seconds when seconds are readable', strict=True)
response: 2,19,32
